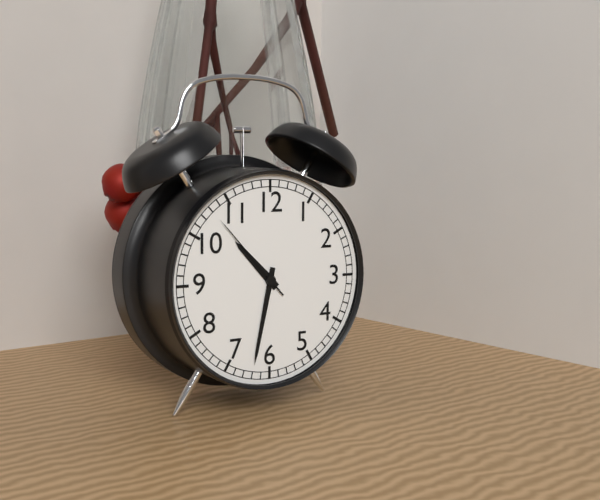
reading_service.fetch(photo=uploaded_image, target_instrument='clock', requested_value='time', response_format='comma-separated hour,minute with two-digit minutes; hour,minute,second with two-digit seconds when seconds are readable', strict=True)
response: 10,32,53
